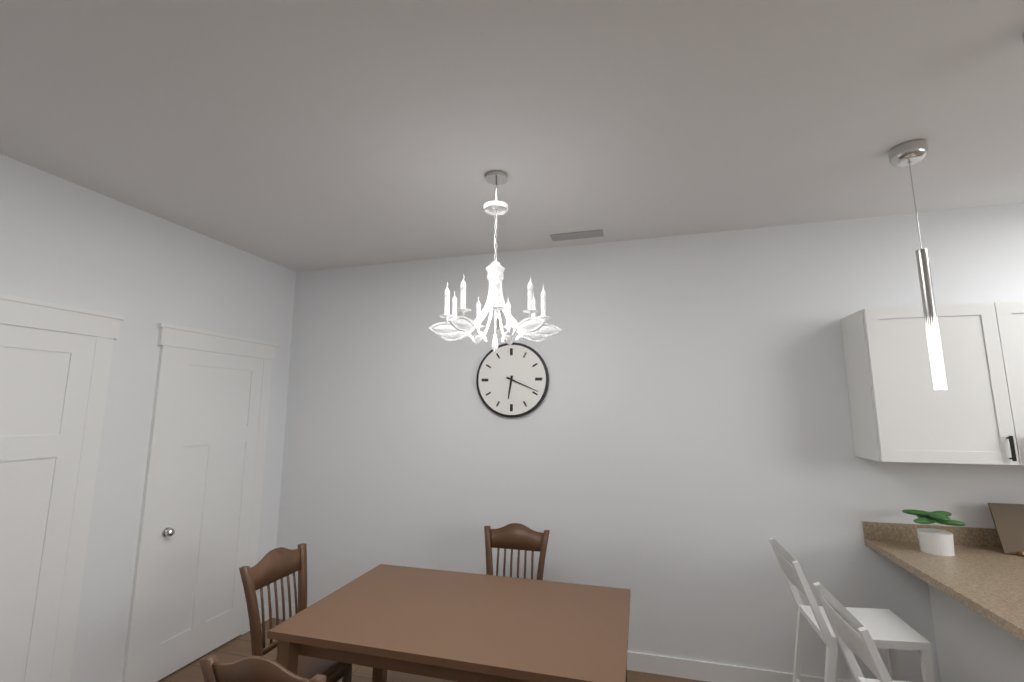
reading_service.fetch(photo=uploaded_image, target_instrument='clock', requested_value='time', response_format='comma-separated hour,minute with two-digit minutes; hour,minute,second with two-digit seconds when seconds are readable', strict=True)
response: 6,19
